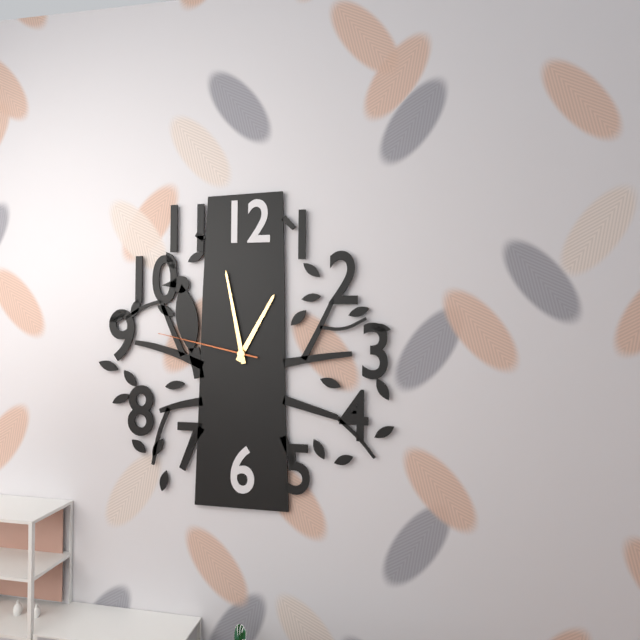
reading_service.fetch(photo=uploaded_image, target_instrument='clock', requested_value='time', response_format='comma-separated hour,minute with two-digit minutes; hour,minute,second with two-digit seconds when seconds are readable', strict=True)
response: 12,58,47
